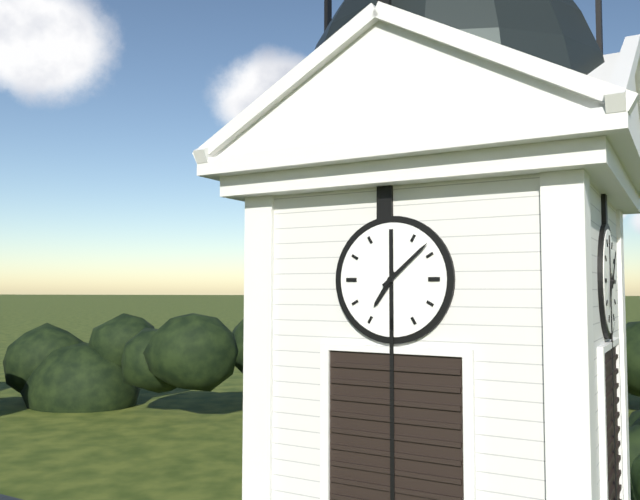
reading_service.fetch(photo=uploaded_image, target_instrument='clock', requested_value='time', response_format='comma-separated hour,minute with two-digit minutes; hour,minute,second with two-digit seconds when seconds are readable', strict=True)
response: 7,08
